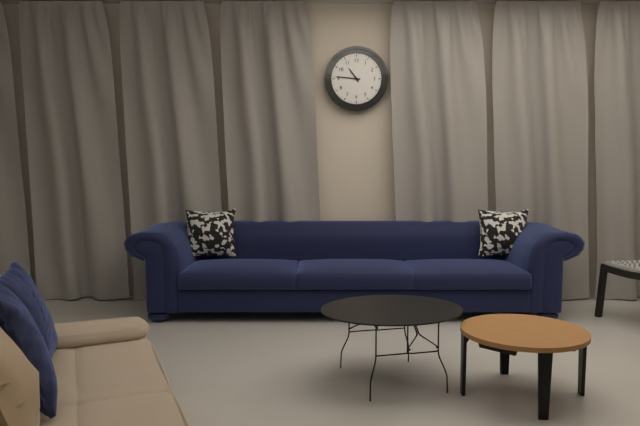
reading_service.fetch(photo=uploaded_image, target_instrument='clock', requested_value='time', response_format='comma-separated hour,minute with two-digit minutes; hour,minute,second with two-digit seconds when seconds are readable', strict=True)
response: 10,46
